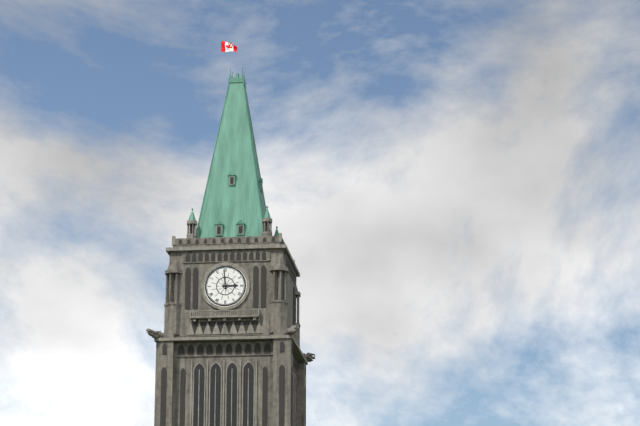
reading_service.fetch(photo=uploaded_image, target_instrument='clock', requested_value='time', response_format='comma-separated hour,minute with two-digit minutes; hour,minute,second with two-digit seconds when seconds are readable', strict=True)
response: 2,59
